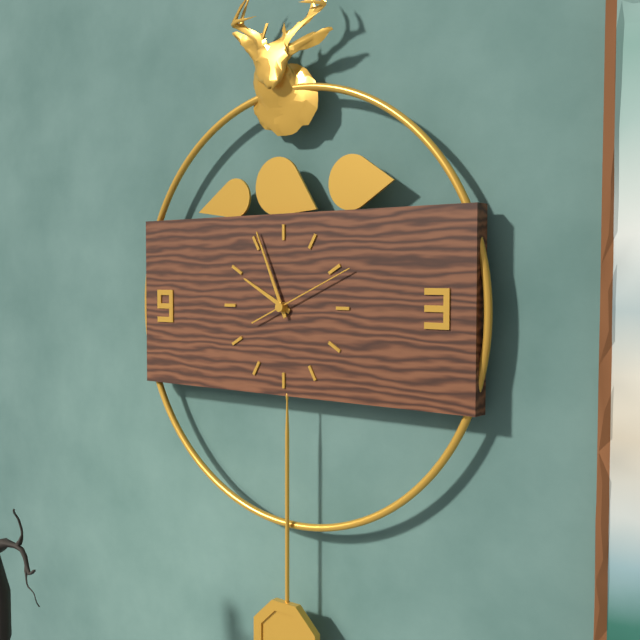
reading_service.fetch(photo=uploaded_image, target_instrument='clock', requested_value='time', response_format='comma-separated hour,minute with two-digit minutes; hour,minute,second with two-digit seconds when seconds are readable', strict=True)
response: 9,56,11
